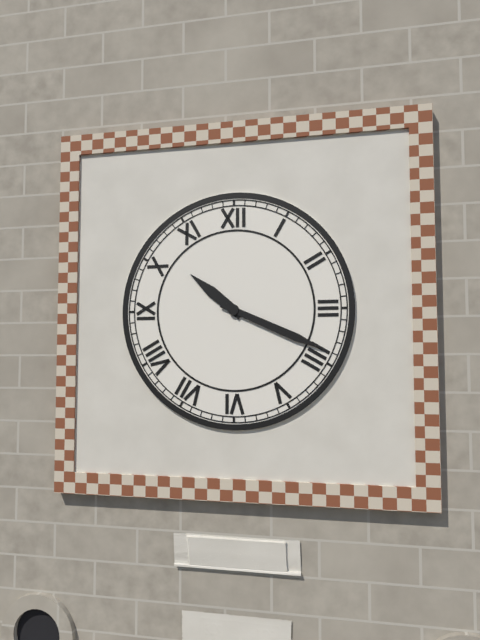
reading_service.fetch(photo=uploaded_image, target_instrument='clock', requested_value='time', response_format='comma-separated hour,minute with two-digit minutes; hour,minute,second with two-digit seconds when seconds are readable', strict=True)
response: 10,19
